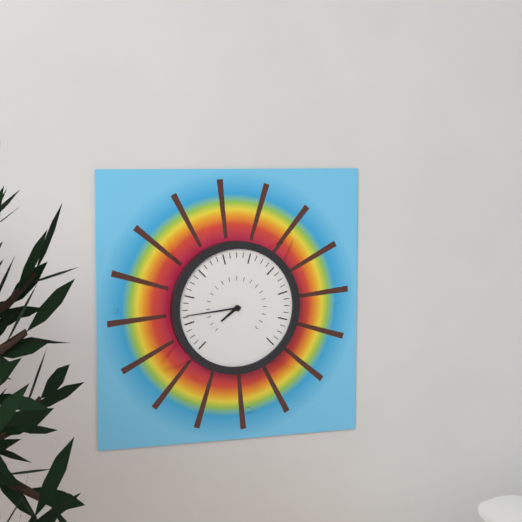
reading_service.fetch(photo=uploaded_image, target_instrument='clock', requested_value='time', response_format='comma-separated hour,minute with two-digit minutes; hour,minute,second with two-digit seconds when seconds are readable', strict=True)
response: 7,44
